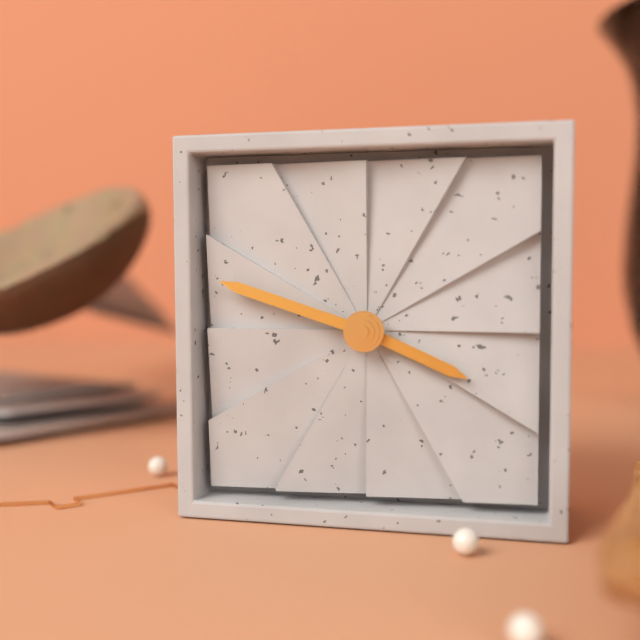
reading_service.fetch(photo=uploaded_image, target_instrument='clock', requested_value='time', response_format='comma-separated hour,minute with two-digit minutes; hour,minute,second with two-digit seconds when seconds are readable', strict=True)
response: 3,48
